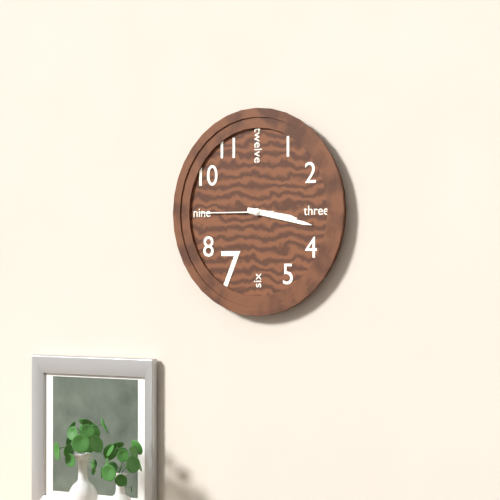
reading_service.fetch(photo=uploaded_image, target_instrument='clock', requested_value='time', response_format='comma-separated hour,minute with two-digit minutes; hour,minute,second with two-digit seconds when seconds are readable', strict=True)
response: 3,17,45
